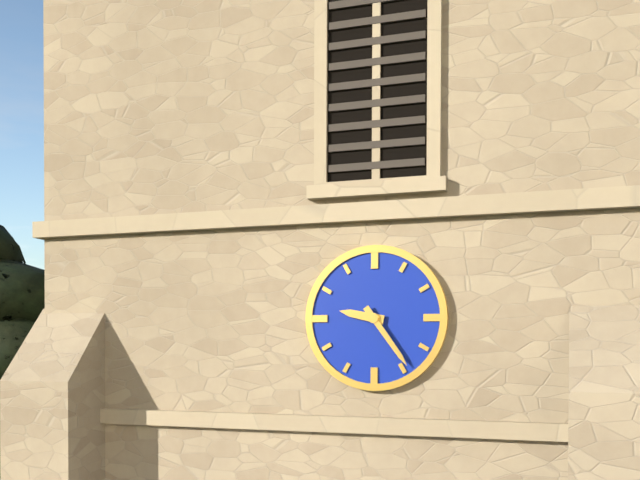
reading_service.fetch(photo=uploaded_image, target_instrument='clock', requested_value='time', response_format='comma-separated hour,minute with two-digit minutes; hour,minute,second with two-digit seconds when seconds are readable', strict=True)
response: 9,24
